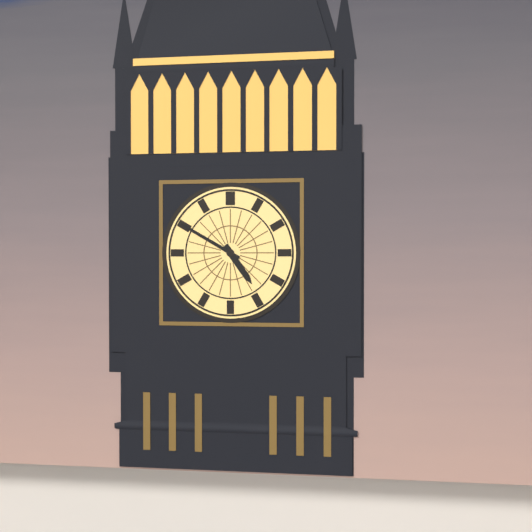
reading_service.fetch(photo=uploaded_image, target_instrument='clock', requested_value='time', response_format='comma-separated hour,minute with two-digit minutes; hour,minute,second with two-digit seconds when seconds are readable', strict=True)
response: 4,50
